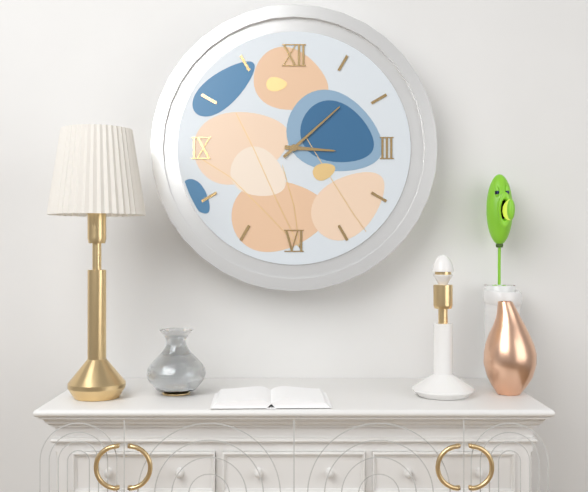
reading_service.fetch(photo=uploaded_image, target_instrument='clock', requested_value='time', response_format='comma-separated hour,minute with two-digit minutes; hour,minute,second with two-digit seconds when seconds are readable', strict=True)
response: 3,08
